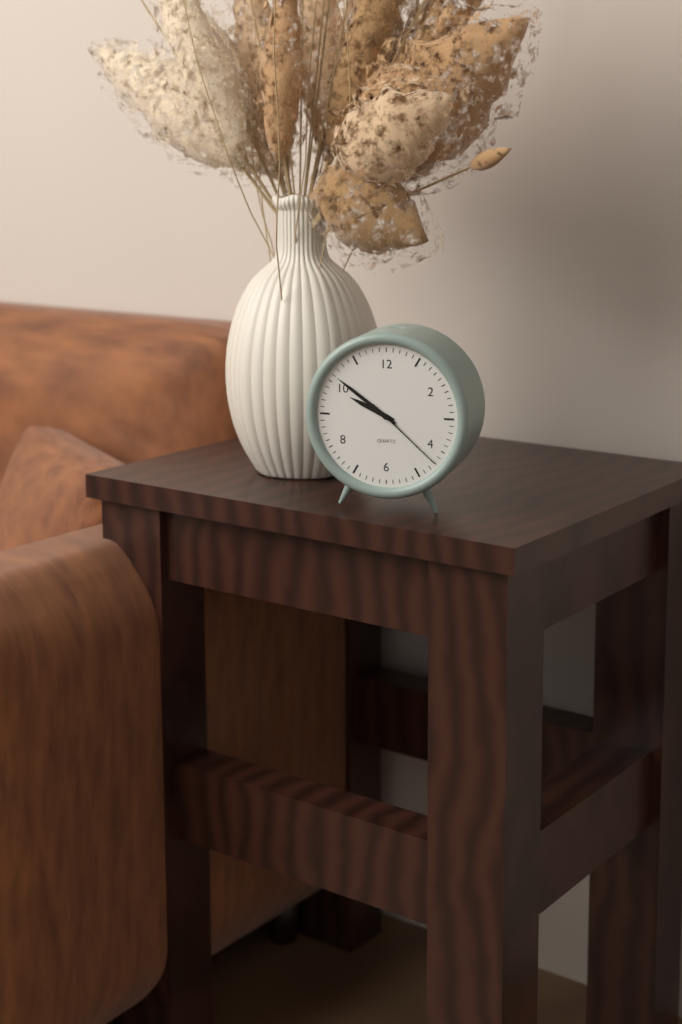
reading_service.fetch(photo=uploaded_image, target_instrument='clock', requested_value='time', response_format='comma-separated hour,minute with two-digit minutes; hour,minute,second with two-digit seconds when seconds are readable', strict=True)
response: 9,51,22
